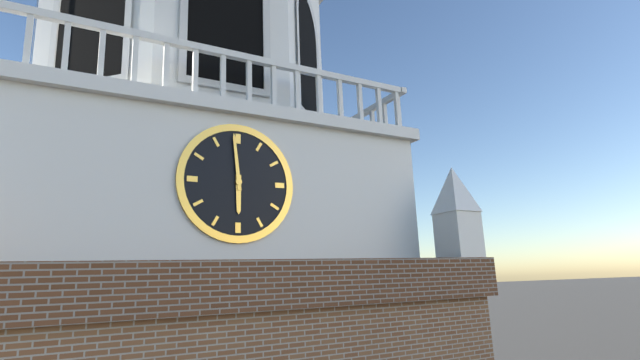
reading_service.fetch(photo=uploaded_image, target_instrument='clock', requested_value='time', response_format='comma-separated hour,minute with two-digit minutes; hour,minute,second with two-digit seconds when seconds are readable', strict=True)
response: 5,59
